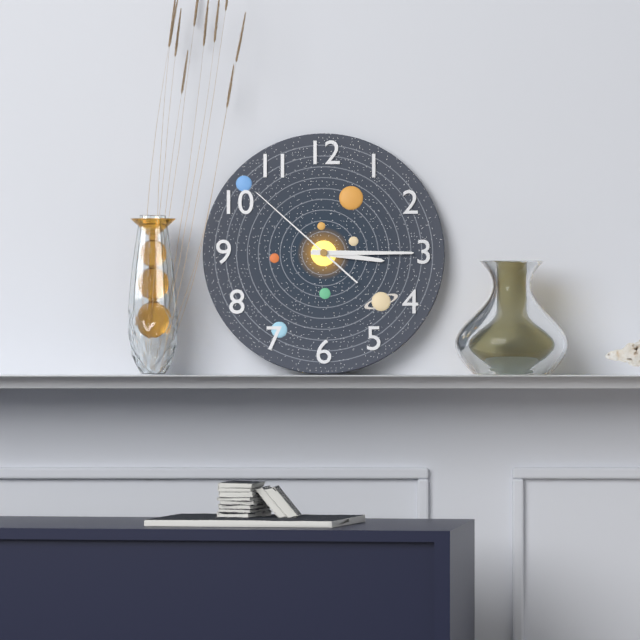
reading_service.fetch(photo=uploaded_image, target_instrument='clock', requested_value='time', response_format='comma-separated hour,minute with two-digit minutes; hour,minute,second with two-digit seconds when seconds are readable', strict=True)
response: 3,15,52
